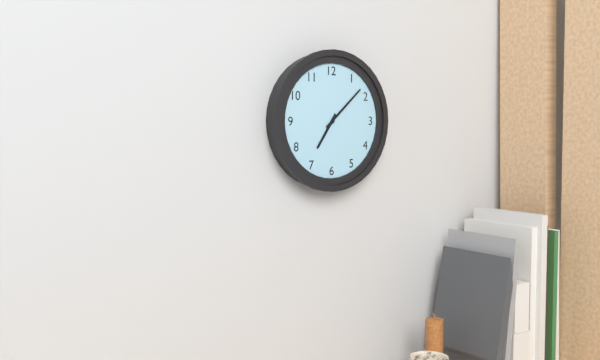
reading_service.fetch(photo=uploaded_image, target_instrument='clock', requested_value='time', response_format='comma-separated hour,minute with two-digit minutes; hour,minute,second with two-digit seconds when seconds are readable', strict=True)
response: 7,08
